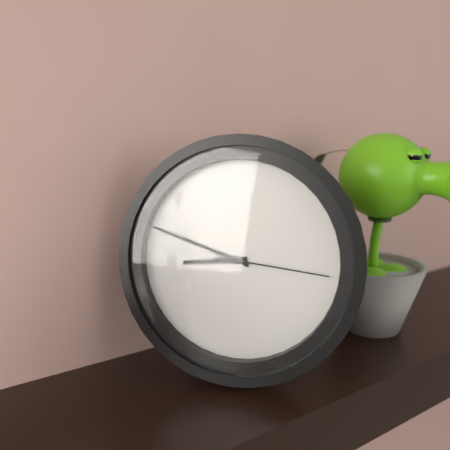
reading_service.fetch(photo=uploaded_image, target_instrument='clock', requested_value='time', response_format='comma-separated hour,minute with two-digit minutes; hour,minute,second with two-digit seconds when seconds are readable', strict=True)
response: 8,48,16
